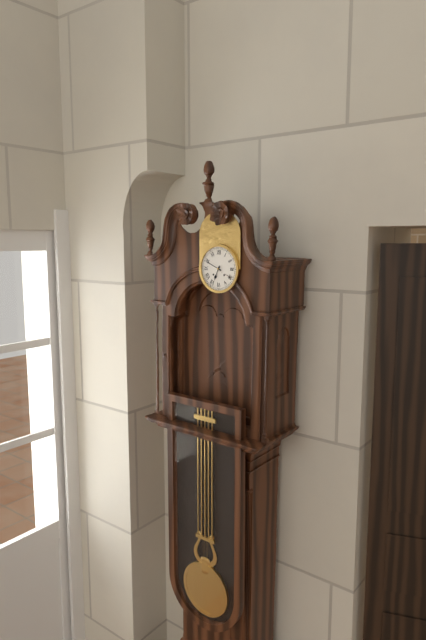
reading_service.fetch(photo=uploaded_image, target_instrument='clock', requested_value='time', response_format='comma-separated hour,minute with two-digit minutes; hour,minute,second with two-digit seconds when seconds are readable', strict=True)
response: 6,49
